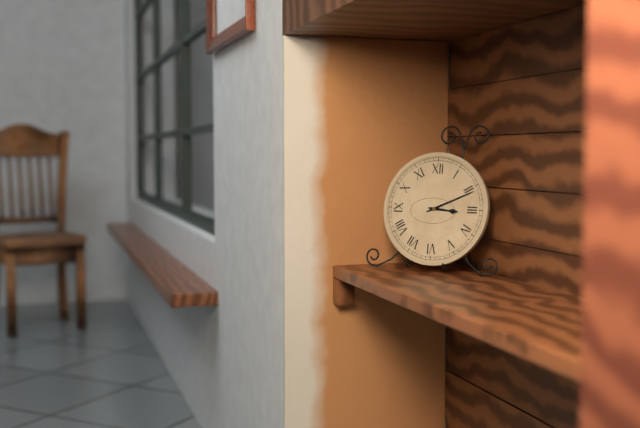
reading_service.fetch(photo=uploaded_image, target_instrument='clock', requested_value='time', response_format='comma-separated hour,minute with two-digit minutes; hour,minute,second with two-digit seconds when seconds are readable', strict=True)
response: 3,11
